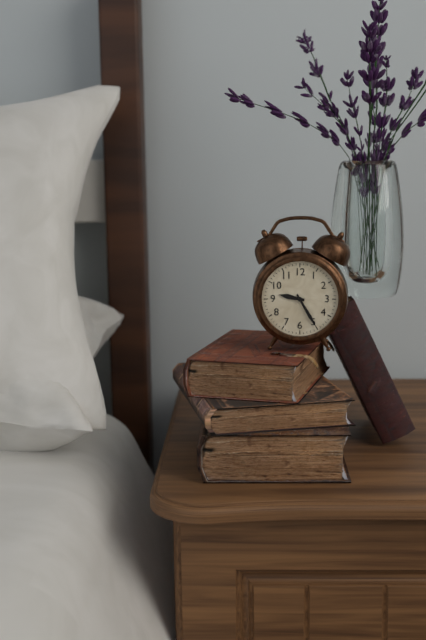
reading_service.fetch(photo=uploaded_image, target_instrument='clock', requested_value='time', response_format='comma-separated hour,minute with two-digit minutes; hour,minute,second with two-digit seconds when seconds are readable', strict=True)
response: 9,25
